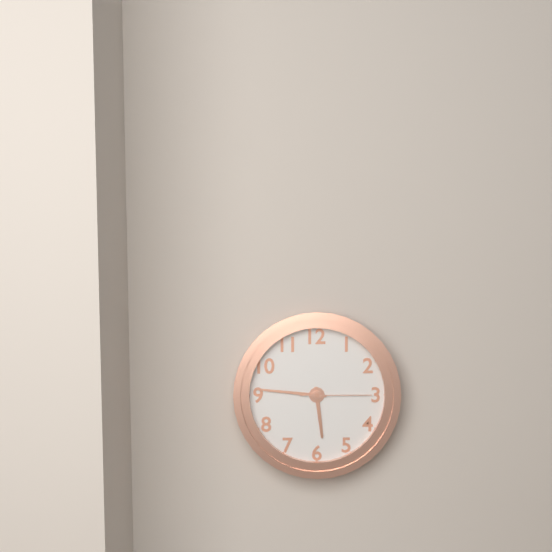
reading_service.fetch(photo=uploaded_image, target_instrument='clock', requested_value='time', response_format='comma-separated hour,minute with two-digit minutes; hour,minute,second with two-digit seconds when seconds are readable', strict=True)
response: 5,46,15
